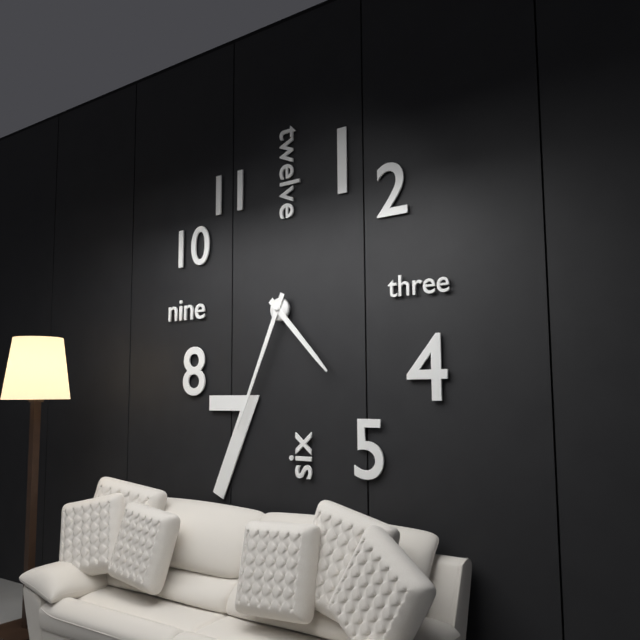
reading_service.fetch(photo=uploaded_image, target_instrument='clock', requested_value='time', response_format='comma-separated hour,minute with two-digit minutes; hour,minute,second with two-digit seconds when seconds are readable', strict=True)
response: 4,34
